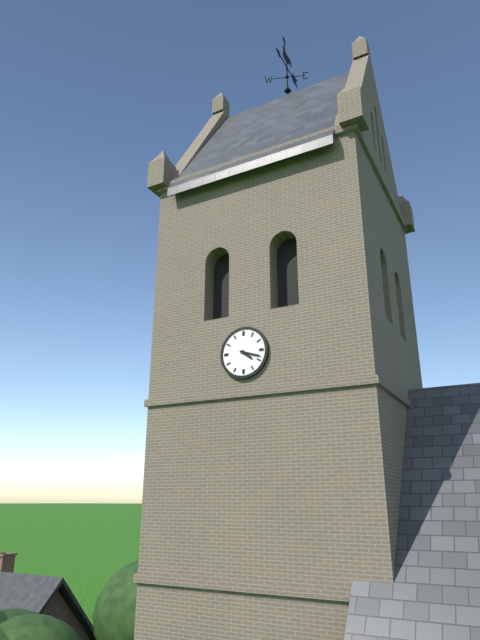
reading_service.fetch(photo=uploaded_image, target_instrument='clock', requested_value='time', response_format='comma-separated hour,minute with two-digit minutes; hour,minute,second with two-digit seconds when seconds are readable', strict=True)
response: 4,18
